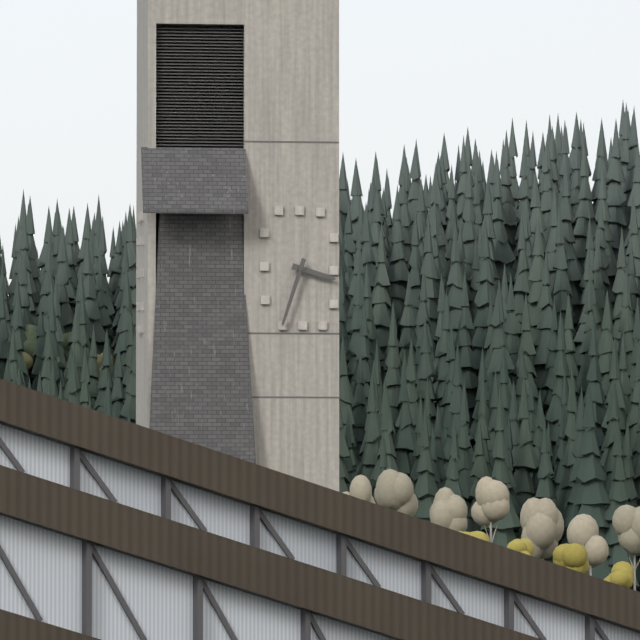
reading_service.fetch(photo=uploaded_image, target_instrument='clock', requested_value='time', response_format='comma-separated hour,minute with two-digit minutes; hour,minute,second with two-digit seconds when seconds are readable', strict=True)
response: 3,33
